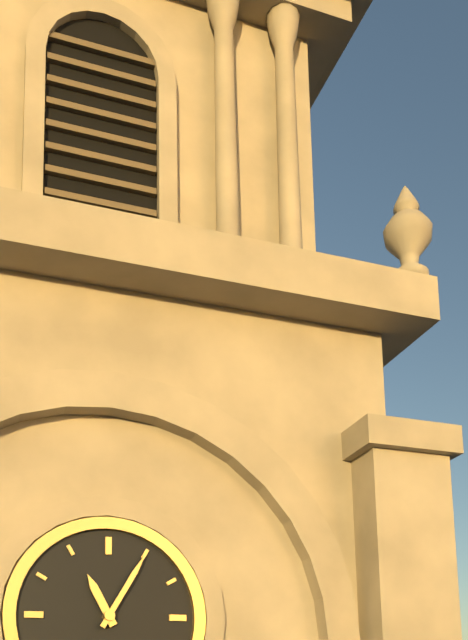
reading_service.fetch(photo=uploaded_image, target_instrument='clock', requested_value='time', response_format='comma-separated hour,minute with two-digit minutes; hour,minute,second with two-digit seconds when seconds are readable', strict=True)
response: 11,05
